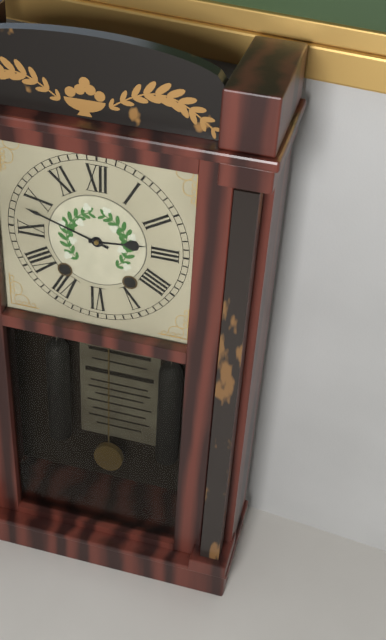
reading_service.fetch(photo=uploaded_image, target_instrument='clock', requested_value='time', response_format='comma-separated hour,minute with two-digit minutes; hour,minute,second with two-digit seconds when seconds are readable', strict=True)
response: 2,48
